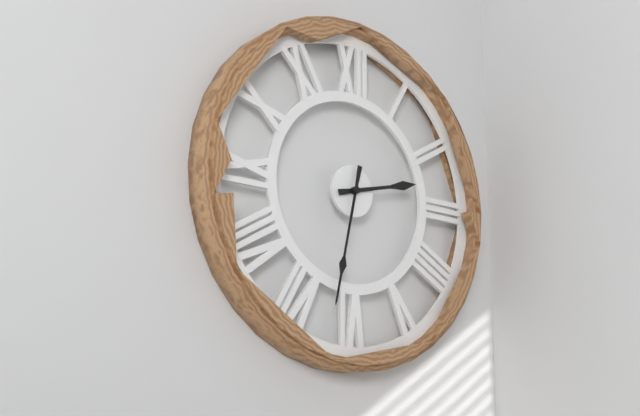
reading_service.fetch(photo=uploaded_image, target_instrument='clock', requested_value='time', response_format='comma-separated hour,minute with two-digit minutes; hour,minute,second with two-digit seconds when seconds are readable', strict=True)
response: 2,32
